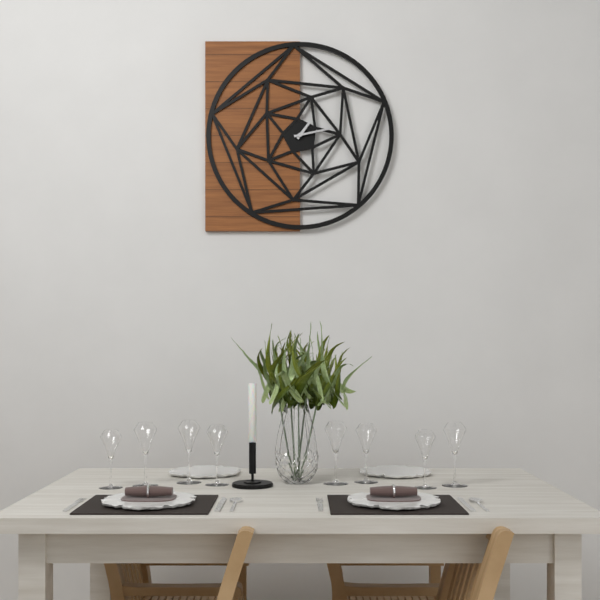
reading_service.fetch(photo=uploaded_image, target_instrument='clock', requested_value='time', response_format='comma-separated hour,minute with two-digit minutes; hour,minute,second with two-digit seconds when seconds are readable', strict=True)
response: 1,13
